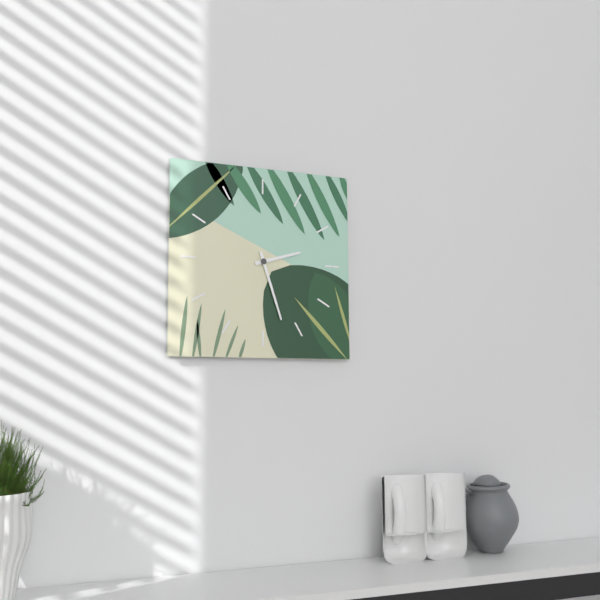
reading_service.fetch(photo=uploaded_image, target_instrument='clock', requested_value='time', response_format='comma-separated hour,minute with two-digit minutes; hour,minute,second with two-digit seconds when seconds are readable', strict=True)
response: 2,27
